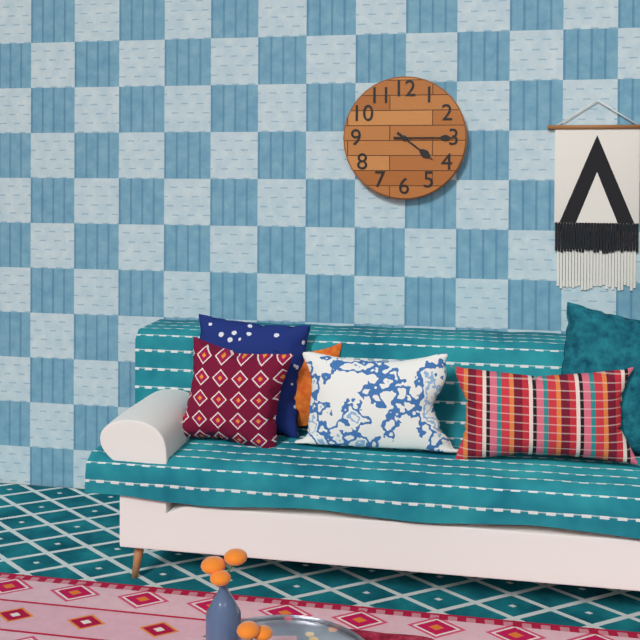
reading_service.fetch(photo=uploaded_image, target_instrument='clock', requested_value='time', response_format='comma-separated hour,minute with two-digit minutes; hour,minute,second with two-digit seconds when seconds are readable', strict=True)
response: 4,15
